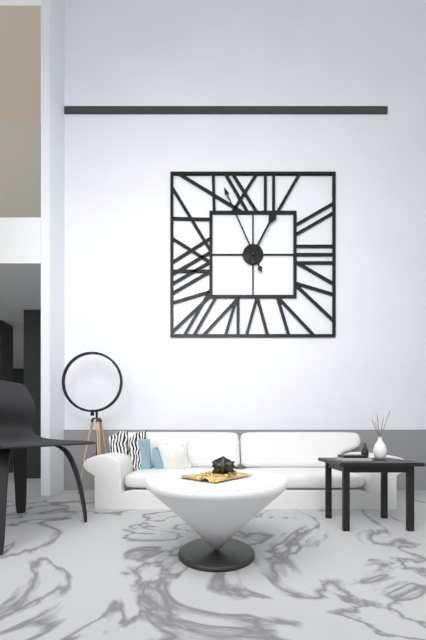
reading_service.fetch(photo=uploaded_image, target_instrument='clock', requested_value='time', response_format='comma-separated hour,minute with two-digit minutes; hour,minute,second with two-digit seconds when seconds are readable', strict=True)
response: 12,56
